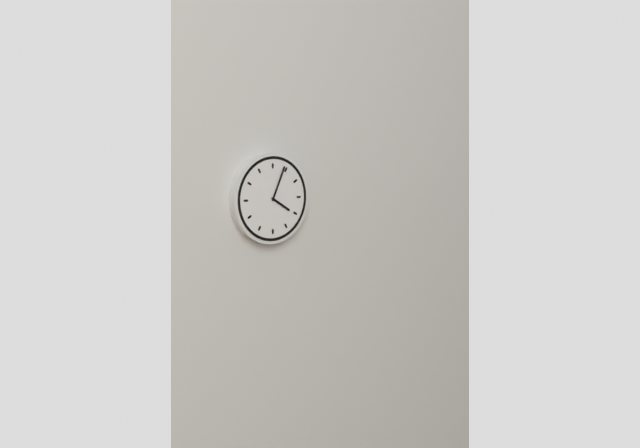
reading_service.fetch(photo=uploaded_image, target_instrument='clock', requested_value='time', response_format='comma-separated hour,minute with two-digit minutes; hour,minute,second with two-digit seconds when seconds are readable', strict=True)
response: 4,04
